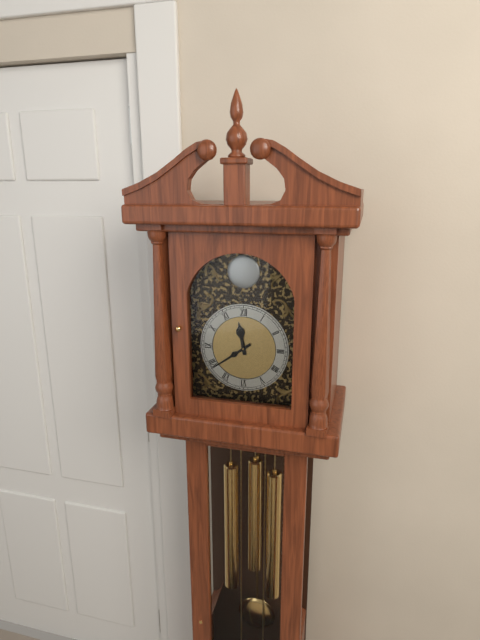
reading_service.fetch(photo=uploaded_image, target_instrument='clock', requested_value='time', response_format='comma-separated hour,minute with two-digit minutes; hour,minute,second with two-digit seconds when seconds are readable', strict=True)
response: 11,39
